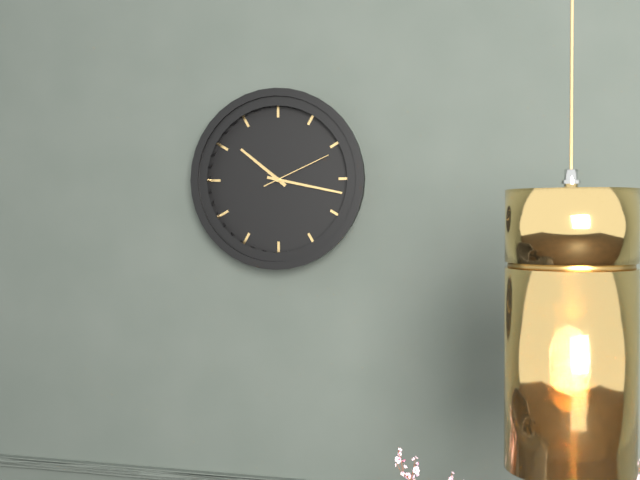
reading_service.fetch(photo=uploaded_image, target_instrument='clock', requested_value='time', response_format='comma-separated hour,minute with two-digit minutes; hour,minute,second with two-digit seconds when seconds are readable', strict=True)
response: 10,17,11
